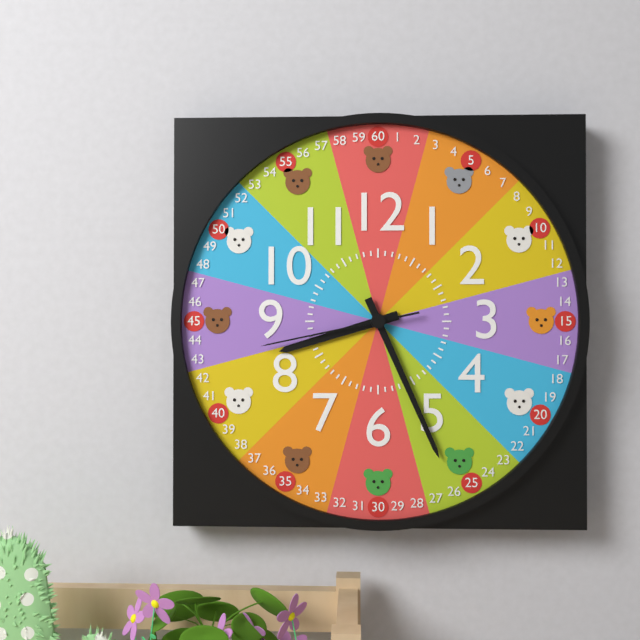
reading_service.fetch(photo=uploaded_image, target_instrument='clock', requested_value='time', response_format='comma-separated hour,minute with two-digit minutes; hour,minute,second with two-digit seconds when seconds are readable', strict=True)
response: 8,26,43
